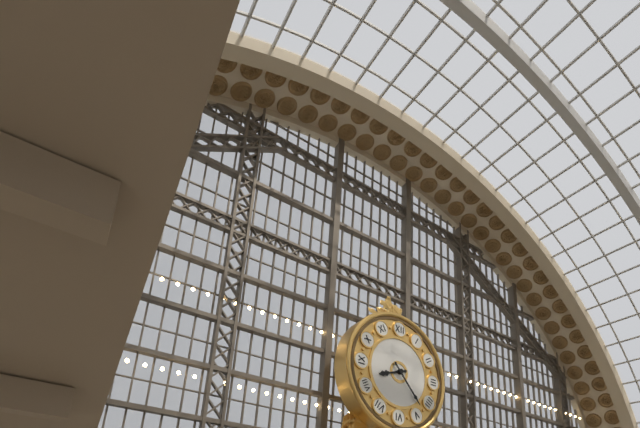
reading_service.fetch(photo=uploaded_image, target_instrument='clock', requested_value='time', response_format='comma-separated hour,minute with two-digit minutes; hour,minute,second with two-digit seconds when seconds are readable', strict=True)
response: 8,23
